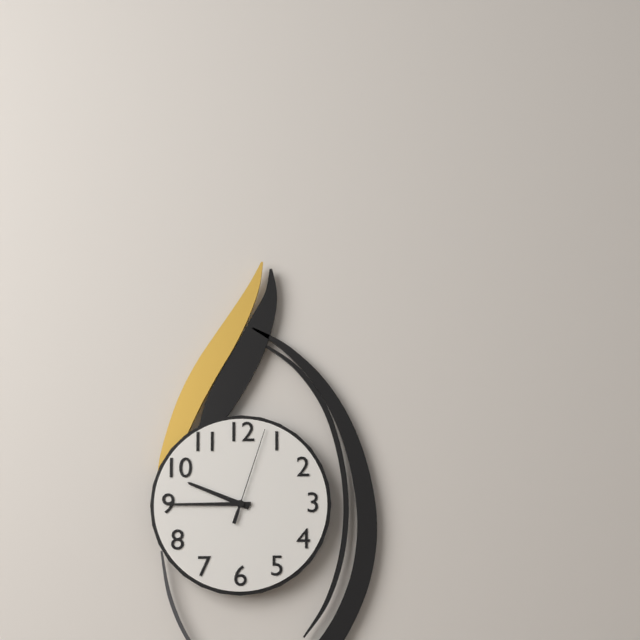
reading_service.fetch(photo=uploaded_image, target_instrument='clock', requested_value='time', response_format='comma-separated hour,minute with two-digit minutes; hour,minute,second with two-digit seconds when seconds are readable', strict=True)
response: 9,45,03
